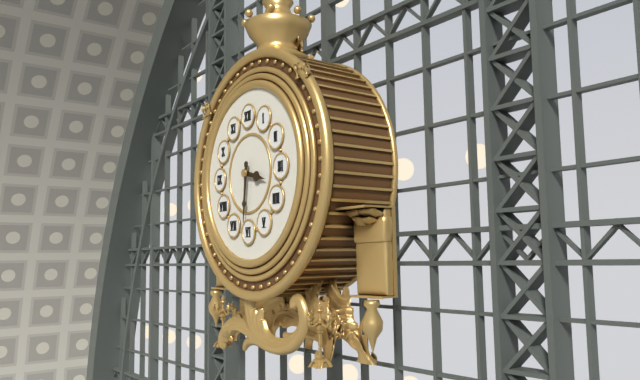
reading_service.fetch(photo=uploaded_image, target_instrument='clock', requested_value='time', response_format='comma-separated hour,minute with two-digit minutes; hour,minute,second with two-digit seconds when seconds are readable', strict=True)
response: 3,31
